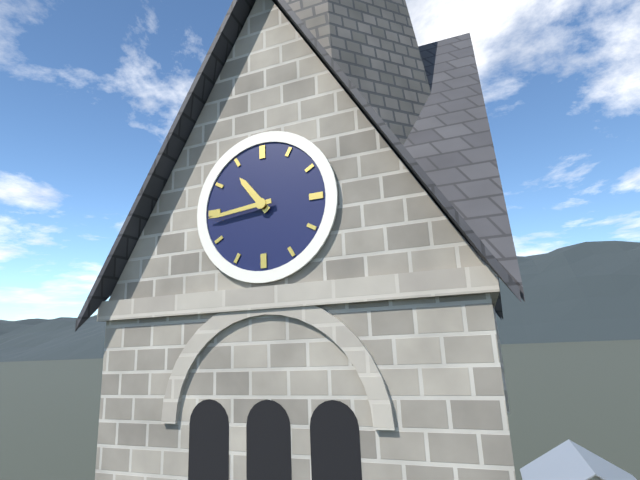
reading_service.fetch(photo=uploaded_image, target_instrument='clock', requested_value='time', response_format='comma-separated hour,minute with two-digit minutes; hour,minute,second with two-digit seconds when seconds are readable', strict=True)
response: 10,44
